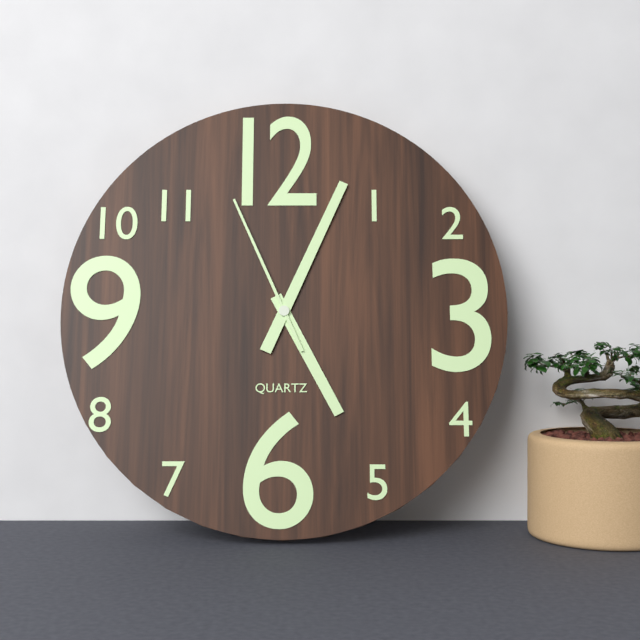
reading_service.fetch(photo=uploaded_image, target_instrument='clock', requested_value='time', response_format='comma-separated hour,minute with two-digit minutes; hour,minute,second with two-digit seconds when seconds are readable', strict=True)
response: 5,04,56
